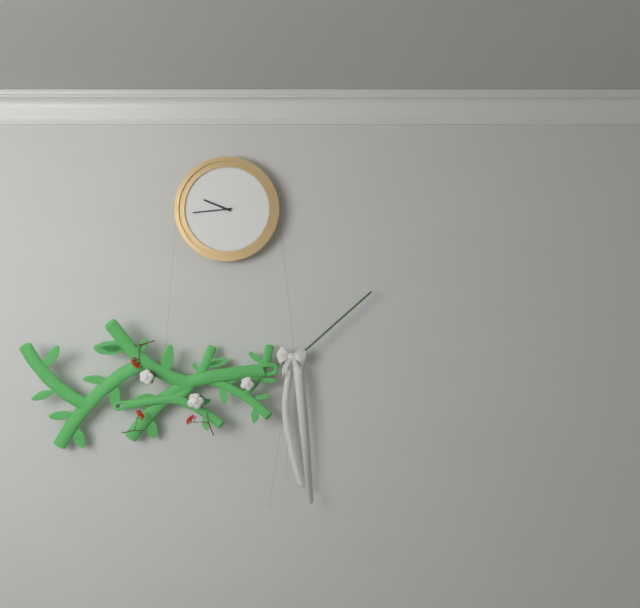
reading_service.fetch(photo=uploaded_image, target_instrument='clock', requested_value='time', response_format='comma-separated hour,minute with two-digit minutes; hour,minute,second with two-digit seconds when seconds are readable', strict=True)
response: 9,44
